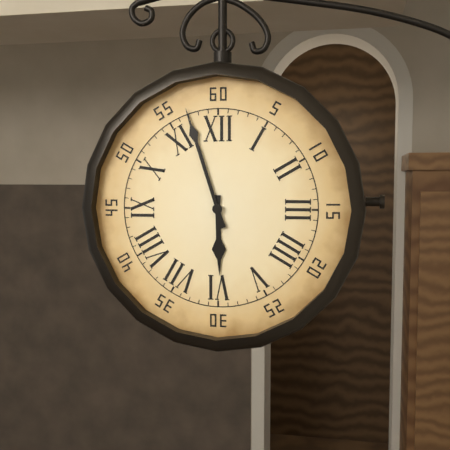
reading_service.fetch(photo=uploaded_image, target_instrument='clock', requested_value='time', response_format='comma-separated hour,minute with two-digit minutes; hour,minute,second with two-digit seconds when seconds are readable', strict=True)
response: 5,57
